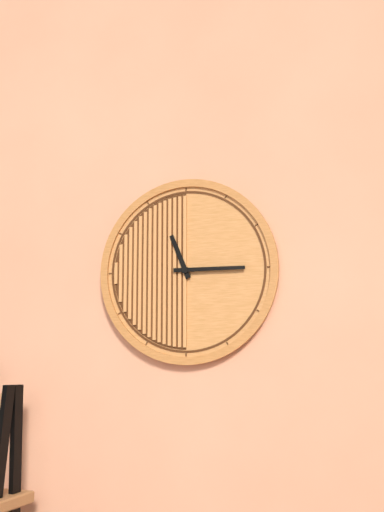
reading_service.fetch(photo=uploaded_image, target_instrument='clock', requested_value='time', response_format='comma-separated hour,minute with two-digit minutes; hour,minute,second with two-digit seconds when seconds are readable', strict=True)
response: 11,15
